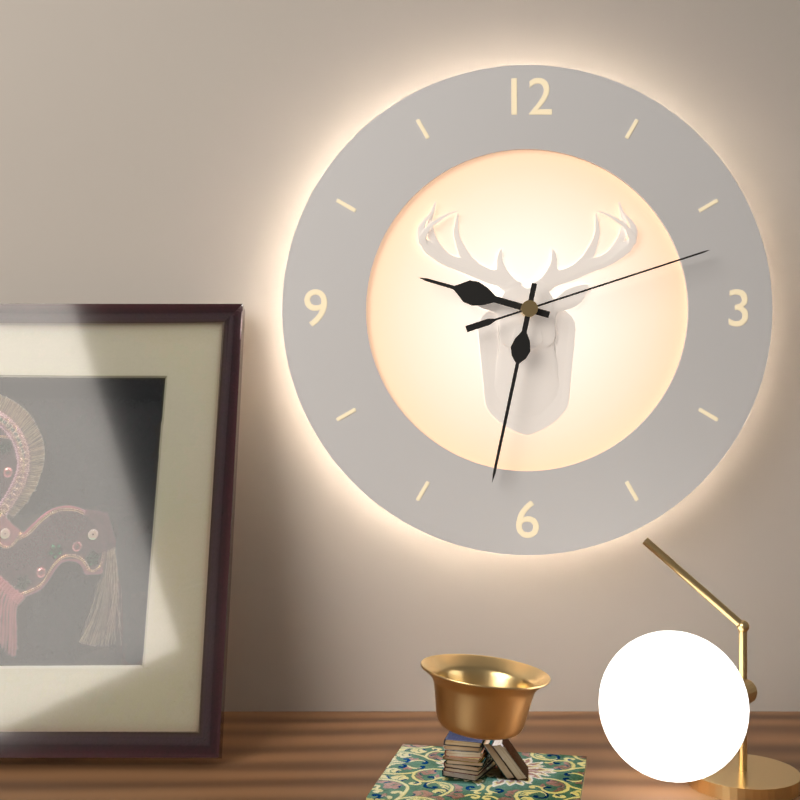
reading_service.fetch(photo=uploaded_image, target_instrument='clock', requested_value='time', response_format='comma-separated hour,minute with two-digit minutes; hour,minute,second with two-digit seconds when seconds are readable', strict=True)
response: 9,32,12
